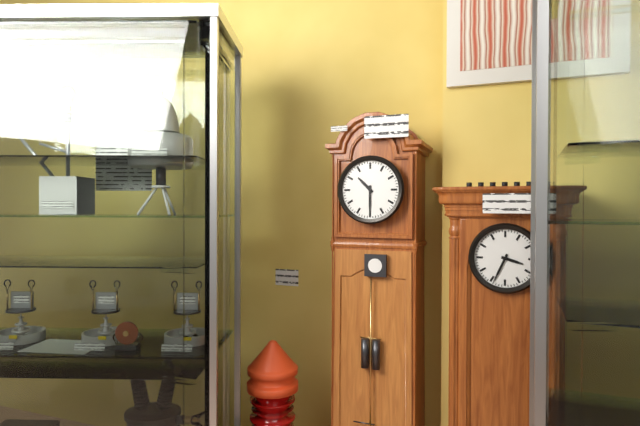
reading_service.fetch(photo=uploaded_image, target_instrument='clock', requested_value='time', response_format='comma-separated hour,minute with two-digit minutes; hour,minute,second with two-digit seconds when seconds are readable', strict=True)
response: 10,30
